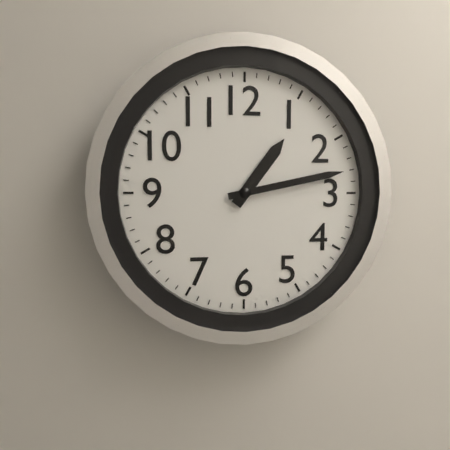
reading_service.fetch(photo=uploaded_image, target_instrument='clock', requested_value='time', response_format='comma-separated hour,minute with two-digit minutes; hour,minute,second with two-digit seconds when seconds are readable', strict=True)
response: 1,13
